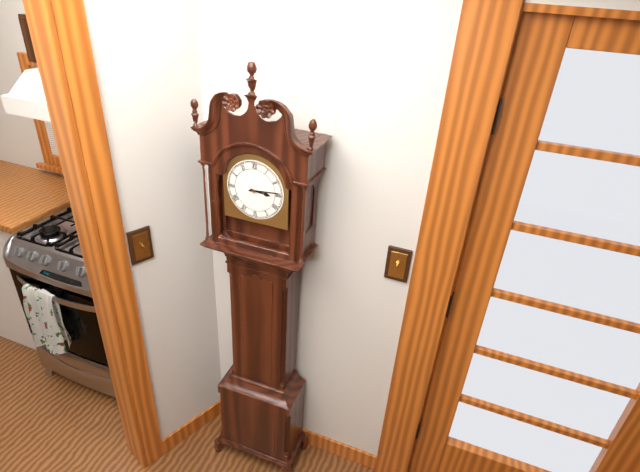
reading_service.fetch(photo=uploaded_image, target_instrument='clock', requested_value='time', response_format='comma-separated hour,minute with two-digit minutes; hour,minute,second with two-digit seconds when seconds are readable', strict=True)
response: 3,14
